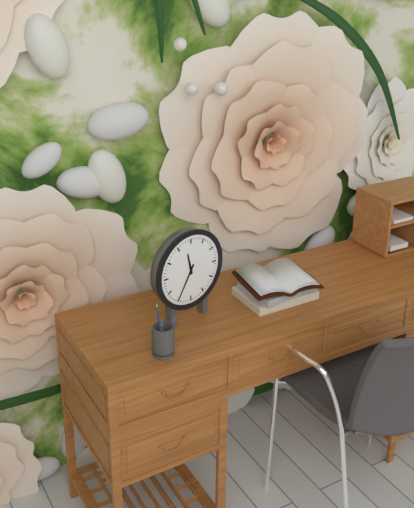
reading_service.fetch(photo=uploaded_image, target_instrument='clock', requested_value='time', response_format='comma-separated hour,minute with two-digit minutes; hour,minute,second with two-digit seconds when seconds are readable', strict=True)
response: 11,35
